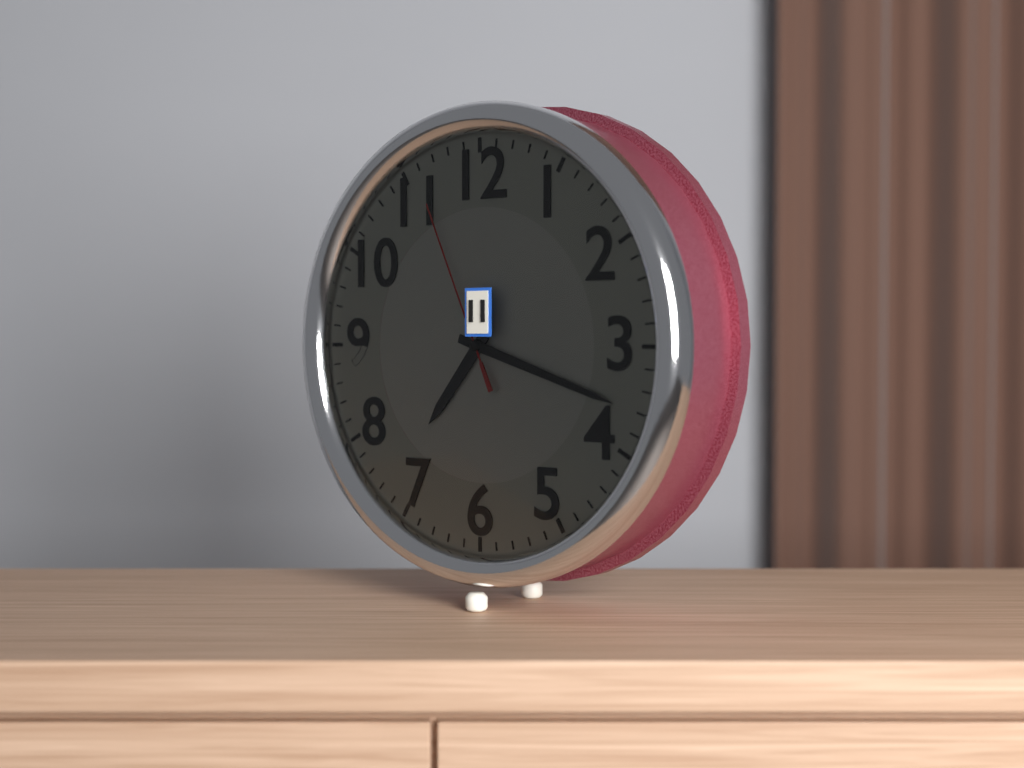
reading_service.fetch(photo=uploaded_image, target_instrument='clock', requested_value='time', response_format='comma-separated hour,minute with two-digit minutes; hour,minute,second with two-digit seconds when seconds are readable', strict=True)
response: 7,18,56
